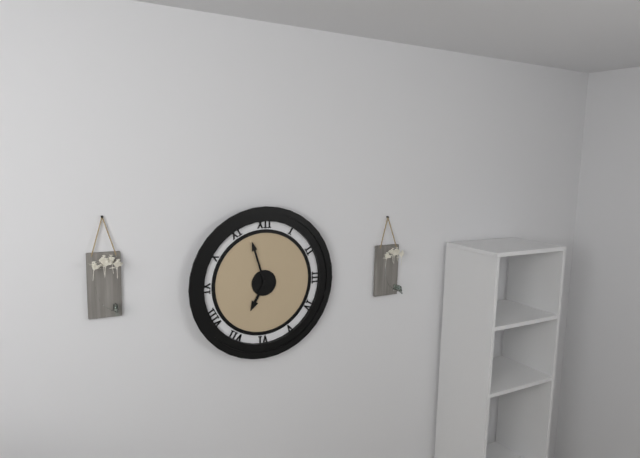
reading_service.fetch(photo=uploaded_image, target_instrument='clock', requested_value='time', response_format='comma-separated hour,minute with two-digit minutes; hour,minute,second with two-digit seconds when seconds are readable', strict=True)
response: 6,57
